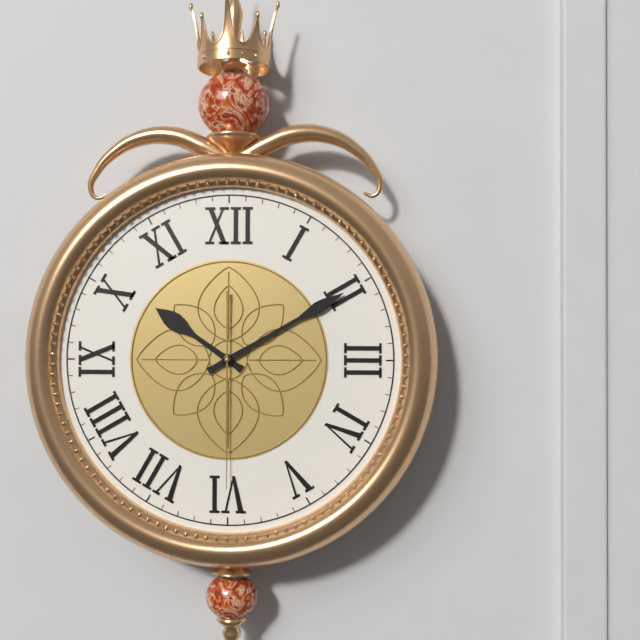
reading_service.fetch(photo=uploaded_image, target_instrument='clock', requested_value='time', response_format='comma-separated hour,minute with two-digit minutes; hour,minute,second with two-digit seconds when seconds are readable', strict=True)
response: 10,10,30
